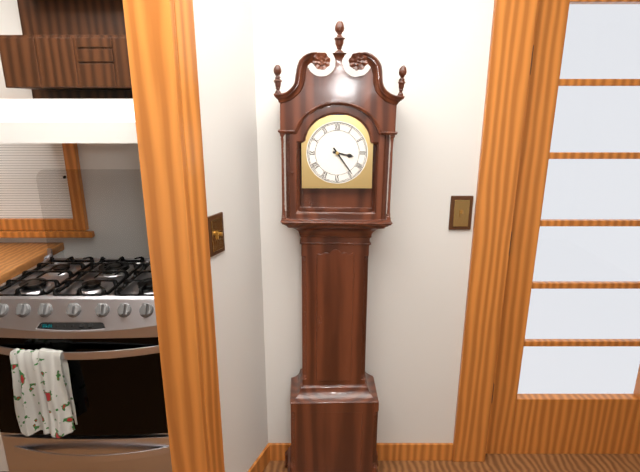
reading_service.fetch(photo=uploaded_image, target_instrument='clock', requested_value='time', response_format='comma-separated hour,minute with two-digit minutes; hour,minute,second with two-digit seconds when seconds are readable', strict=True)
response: 3,24
